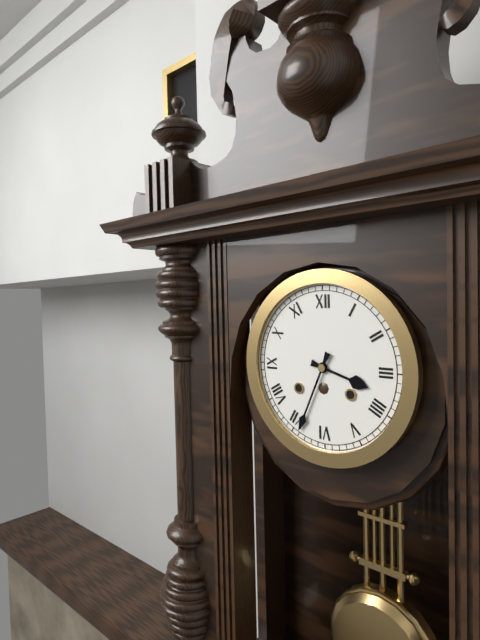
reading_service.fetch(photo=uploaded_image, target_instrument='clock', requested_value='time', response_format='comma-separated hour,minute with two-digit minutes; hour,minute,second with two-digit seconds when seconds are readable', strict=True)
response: 3,34
